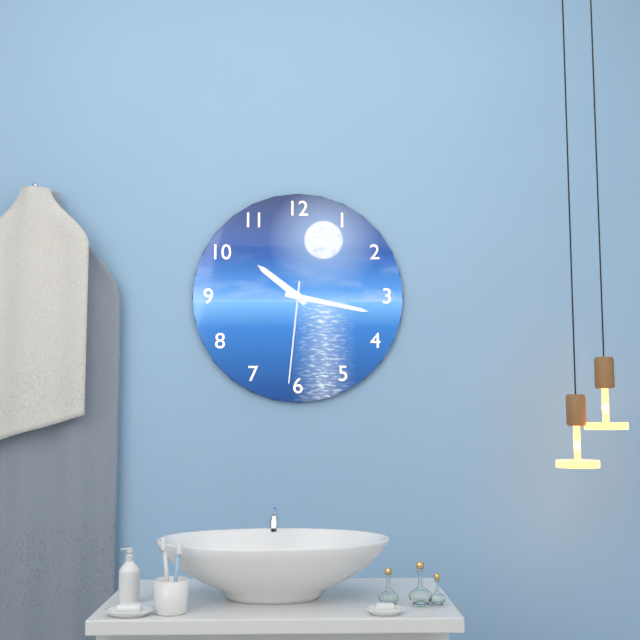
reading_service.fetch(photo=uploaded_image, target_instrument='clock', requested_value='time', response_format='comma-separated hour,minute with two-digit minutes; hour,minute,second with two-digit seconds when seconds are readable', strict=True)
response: 10,17,31
